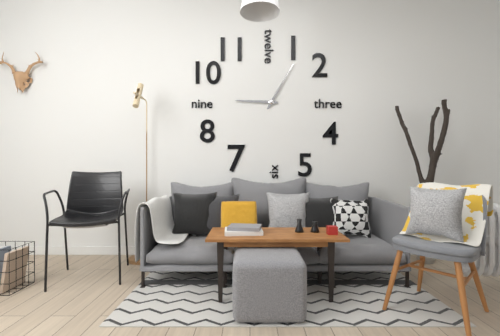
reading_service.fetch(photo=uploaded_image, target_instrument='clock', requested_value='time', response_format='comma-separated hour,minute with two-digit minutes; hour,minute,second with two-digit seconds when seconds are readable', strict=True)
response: 9,05
